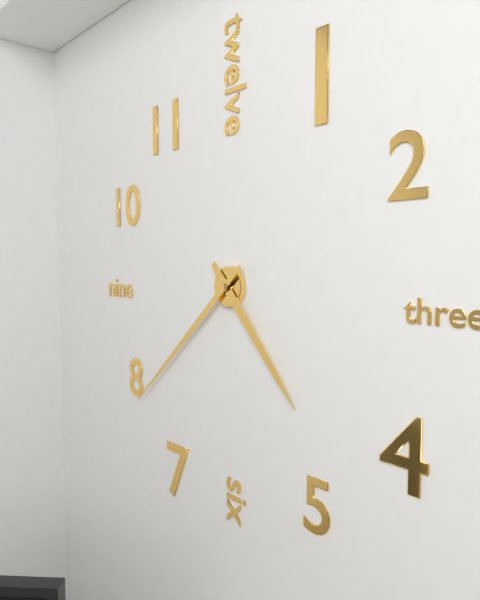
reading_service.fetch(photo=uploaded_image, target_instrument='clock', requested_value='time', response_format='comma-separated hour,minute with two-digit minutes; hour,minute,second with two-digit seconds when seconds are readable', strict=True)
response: 4,38
